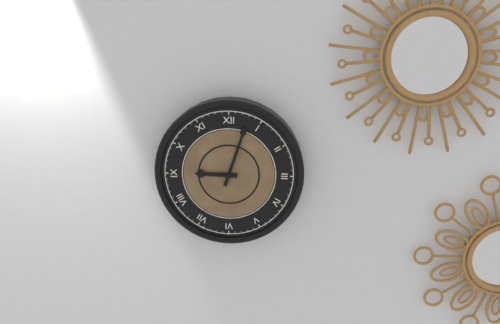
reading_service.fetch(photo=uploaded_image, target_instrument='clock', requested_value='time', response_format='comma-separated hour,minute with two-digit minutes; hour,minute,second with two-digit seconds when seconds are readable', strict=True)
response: 9,03
